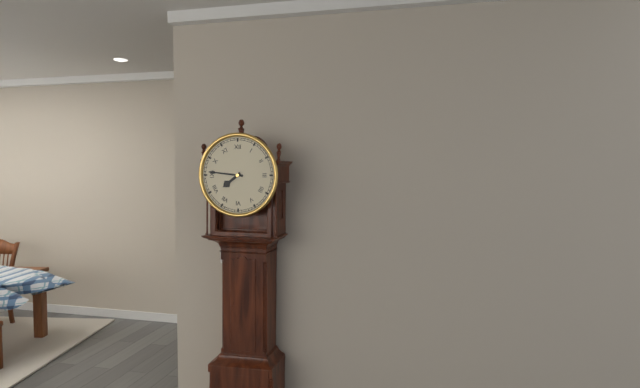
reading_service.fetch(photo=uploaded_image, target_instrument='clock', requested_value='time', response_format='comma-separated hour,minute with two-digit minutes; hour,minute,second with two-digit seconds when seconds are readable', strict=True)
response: 7,46
